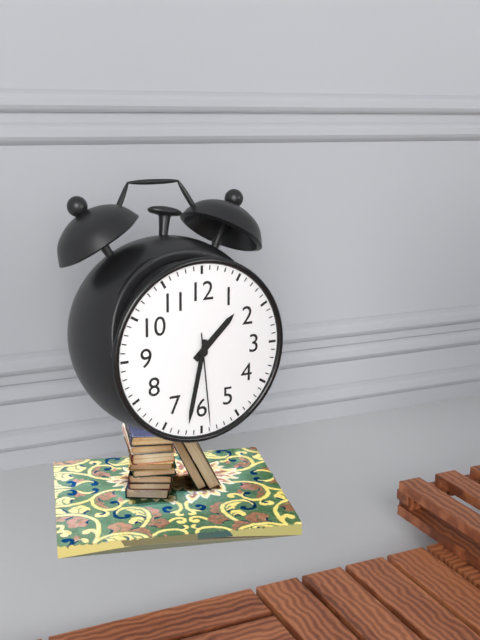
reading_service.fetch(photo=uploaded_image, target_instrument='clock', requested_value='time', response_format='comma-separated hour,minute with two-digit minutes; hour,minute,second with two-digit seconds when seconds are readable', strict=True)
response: 1,32,29
